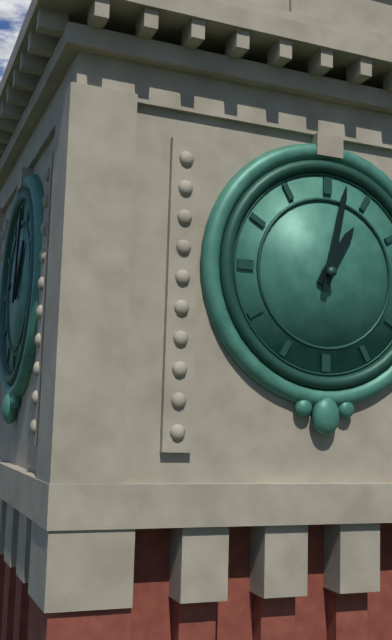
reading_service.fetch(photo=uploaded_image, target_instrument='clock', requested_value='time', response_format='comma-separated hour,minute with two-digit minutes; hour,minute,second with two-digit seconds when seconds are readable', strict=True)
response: 1,02
